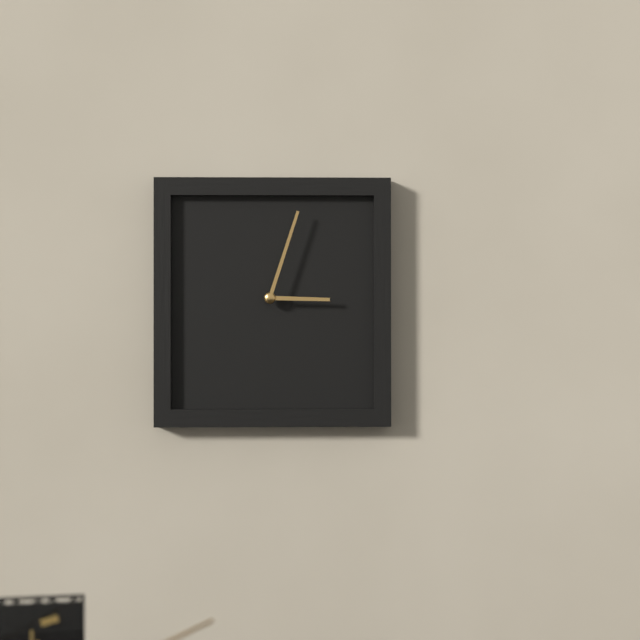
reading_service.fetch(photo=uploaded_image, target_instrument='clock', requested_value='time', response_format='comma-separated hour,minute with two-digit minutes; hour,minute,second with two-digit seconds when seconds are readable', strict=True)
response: 3,03
